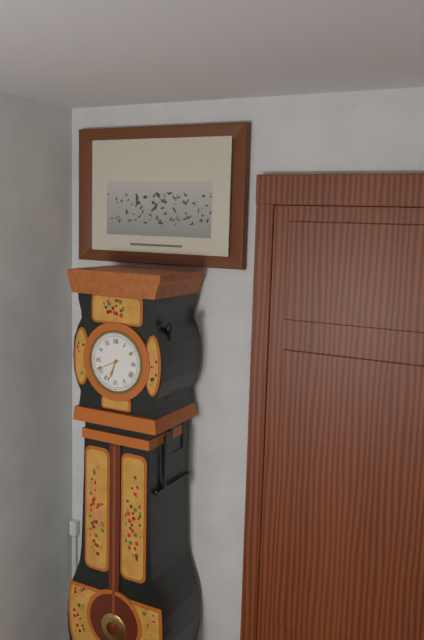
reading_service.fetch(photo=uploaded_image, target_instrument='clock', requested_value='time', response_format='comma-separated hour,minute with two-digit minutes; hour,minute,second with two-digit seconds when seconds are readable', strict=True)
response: 6,41
